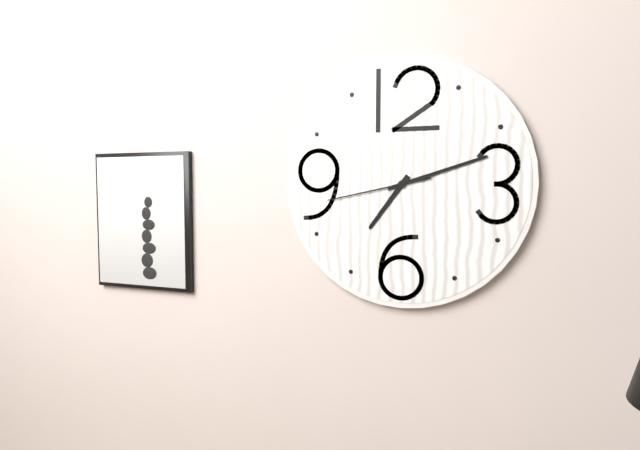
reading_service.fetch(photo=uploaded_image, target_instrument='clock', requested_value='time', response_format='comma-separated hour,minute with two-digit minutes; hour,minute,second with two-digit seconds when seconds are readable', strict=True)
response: 7,12,43
